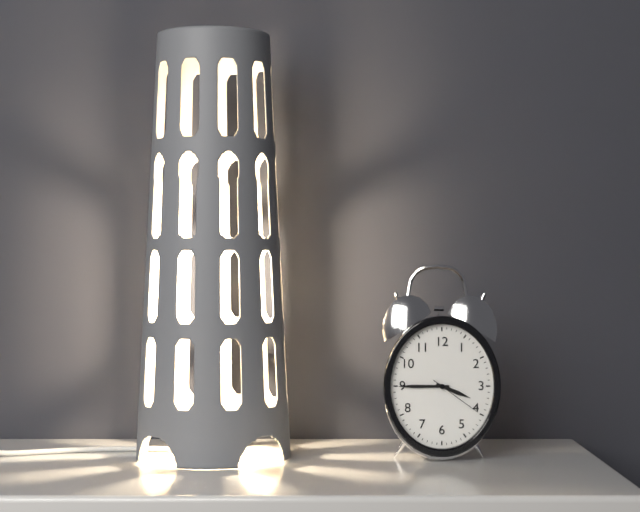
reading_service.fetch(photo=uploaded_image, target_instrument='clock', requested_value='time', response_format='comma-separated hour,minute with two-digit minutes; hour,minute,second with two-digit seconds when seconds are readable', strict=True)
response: 3,45,21
